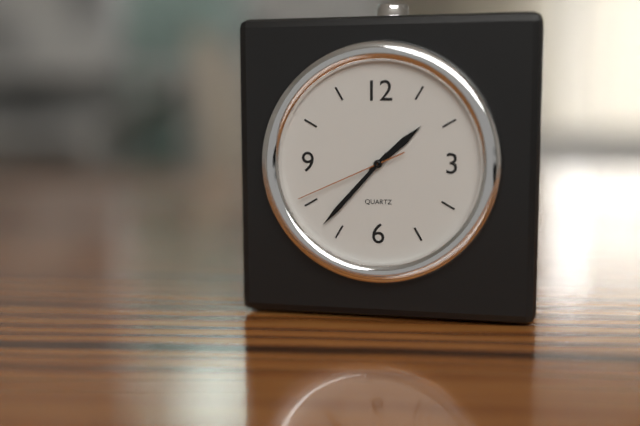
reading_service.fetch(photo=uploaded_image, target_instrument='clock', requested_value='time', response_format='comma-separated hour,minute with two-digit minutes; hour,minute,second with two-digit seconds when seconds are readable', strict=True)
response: 1,37,41
